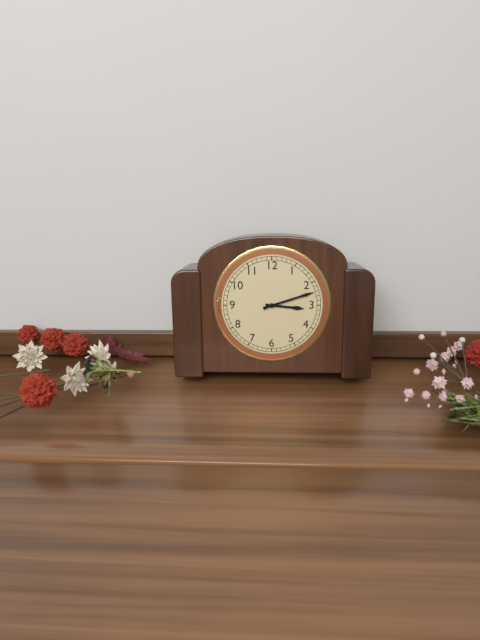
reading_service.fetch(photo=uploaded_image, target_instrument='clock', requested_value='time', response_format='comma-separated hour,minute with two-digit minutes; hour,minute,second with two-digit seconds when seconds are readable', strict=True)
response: 3,12
